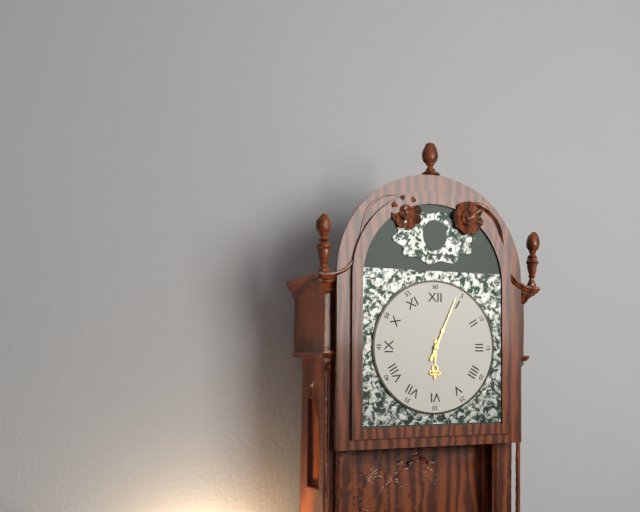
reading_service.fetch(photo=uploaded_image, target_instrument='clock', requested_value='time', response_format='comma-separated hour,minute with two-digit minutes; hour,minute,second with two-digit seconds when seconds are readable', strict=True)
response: 6,04
